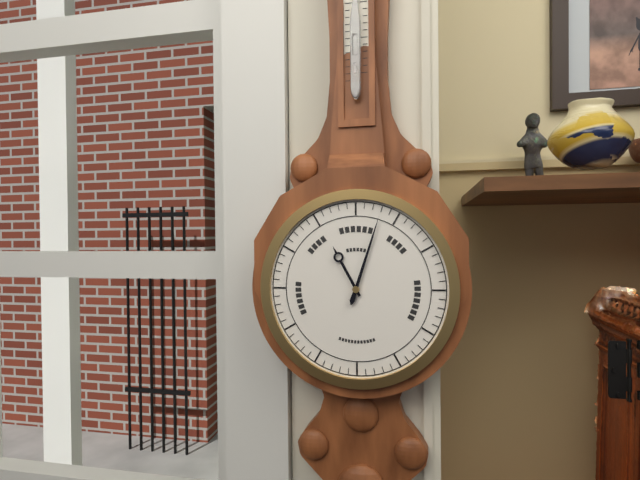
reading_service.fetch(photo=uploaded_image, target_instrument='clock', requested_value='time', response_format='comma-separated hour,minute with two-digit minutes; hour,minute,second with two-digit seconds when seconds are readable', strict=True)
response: 11,03
